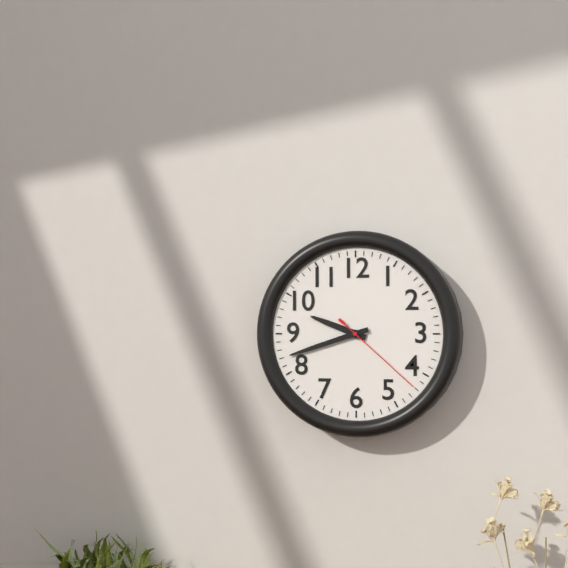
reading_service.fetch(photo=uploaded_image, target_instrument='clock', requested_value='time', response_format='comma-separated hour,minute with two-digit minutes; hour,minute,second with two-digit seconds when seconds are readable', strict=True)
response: 9,42,22
